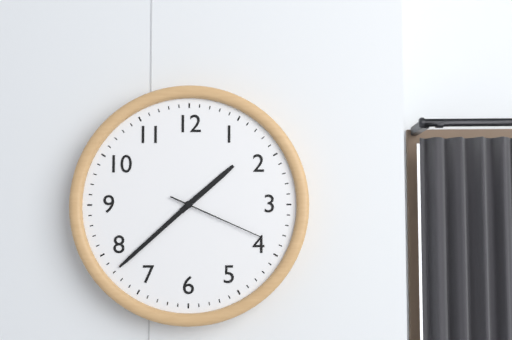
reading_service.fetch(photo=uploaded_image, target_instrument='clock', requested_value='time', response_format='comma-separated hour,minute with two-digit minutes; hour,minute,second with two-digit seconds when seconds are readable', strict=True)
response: 1,38,19
